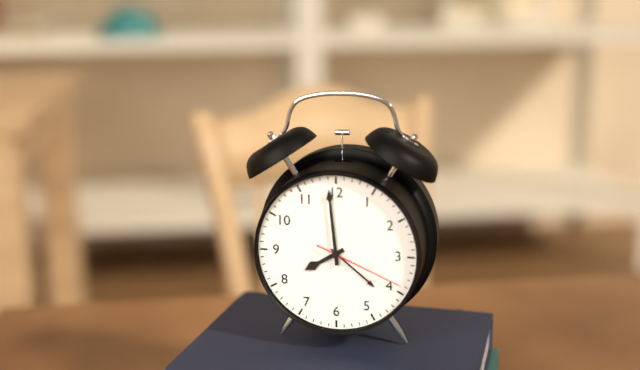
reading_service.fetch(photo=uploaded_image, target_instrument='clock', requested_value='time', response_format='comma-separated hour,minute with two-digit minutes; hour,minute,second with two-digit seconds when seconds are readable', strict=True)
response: 7,59,19
